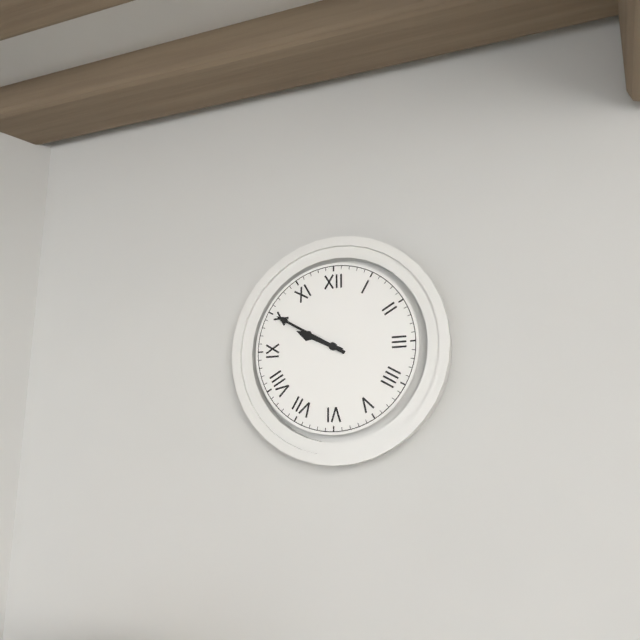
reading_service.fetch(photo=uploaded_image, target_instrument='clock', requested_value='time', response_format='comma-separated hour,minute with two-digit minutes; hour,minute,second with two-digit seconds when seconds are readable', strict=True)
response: 9,50
